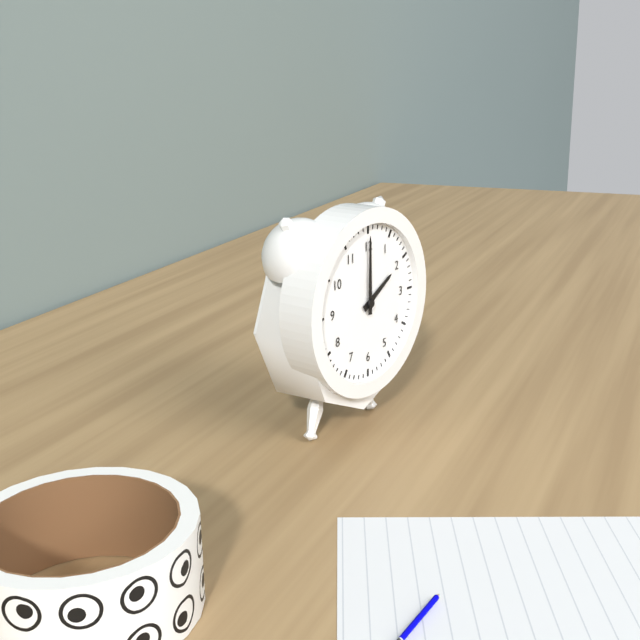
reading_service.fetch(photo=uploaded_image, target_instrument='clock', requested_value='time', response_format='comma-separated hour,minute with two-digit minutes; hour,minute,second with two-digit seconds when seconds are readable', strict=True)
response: 2,00
